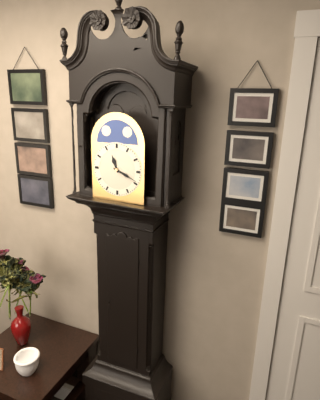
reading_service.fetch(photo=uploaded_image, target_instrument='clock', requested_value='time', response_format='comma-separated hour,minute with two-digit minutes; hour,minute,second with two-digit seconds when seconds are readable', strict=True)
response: 11,19
